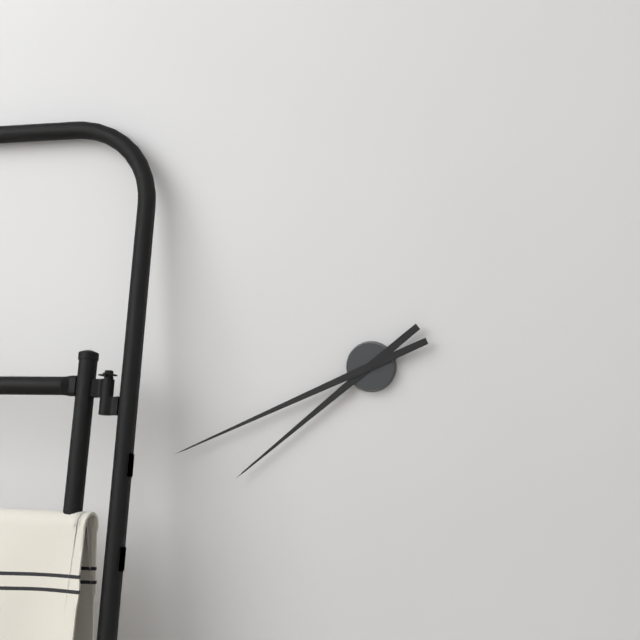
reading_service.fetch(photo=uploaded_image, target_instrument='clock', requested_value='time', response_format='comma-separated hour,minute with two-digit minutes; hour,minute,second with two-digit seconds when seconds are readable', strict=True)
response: 7,41
